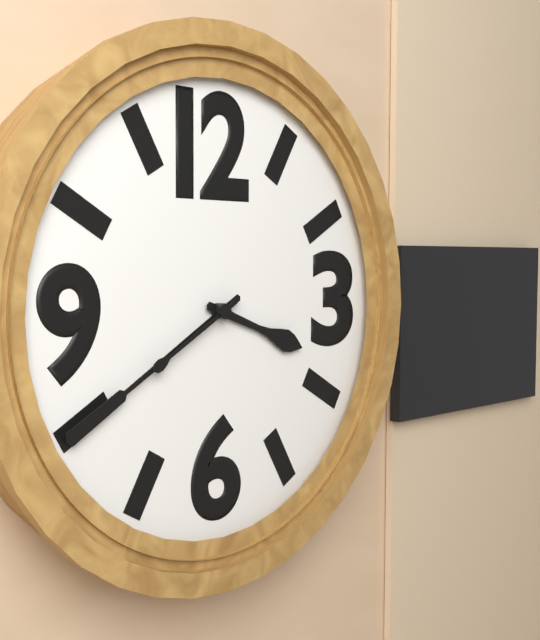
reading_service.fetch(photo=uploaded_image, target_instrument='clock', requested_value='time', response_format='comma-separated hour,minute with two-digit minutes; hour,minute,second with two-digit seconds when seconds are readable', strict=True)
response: 3,40,40
